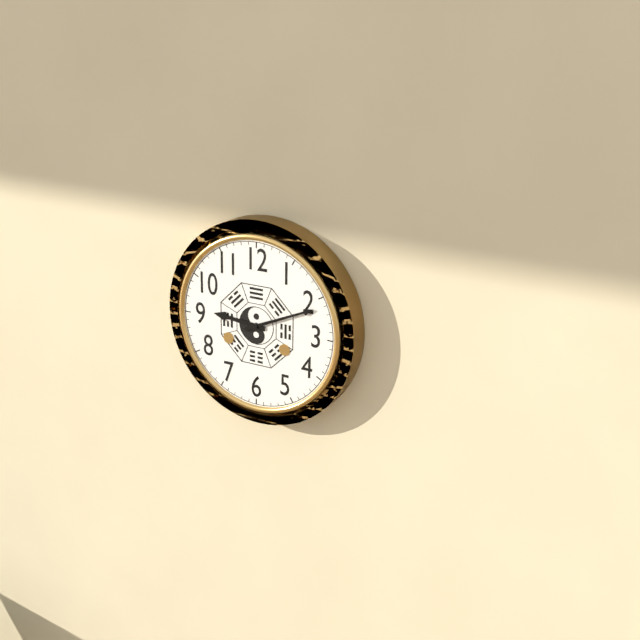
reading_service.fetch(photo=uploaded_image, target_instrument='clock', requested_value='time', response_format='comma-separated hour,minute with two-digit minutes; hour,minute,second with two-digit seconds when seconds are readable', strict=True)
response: 9,11
